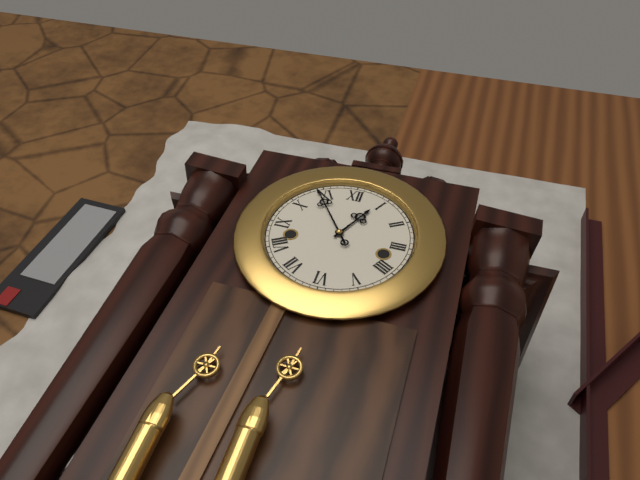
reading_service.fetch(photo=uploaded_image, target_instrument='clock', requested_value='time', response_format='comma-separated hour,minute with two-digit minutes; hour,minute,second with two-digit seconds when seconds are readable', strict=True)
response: 12,54
